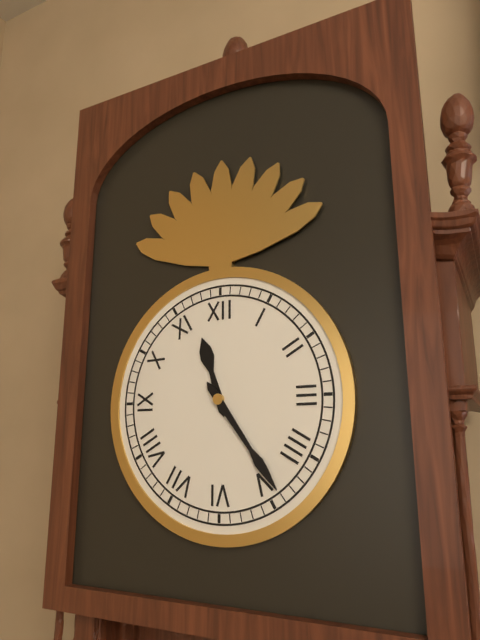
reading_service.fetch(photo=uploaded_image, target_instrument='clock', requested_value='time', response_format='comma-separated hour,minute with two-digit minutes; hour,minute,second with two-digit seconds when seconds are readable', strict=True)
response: 11,24
